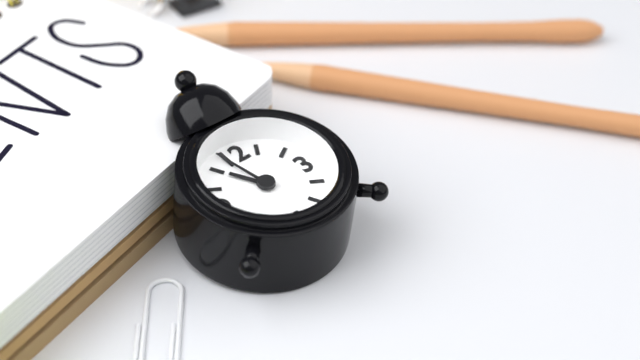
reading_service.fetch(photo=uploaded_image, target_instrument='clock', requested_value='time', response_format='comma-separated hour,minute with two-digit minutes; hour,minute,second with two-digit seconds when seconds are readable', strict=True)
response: 10,58
